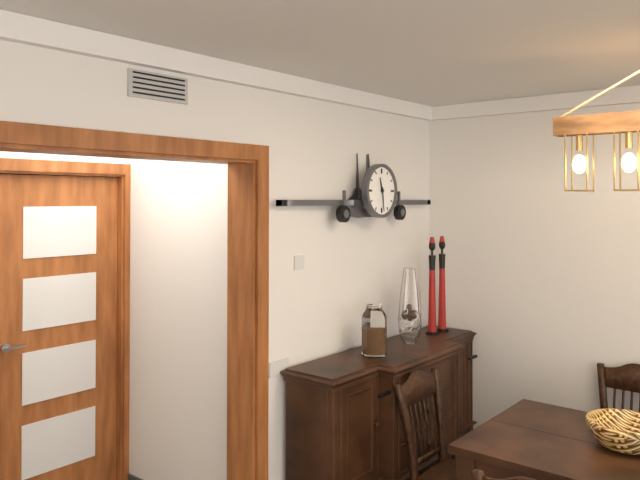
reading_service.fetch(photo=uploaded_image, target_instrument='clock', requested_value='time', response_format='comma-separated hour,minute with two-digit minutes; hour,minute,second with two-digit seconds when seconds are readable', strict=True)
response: 11,29
